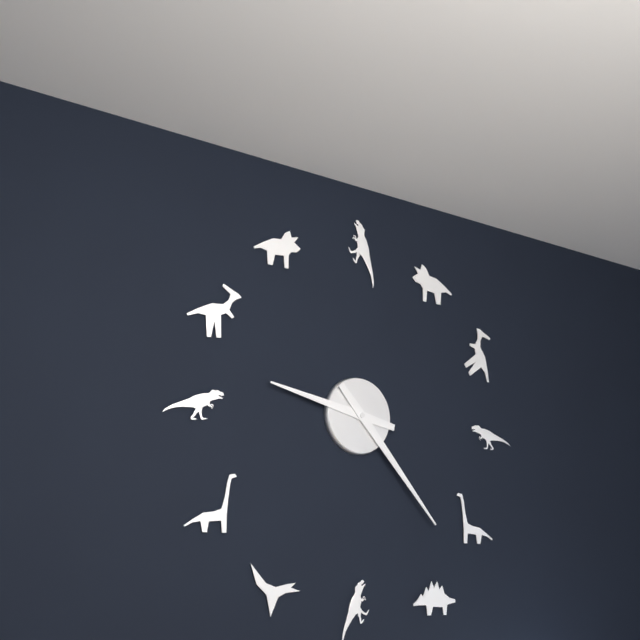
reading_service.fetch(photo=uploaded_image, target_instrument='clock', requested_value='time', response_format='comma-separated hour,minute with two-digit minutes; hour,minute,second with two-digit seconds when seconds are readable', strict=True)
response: 9,23
